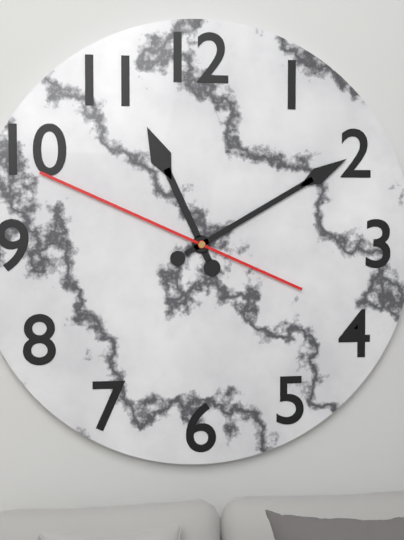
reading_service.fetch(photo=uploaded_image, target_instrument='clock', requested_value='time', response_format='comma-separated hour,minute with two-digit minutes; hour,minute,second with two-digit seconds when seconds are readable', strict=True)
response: 11,10,49
